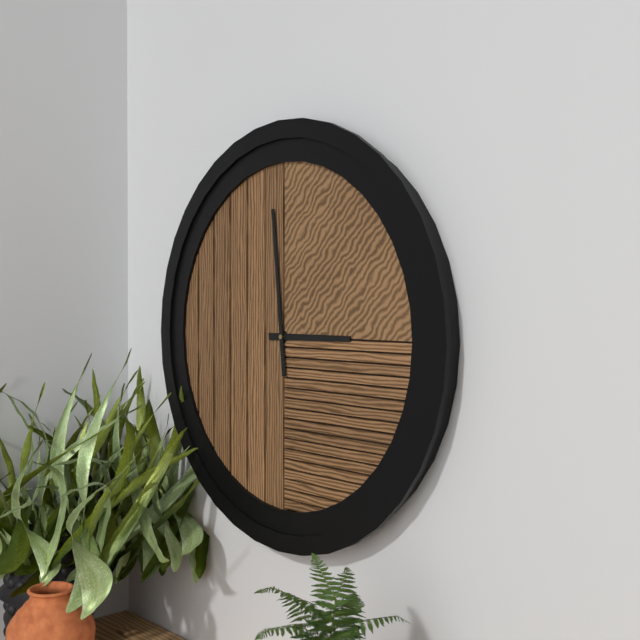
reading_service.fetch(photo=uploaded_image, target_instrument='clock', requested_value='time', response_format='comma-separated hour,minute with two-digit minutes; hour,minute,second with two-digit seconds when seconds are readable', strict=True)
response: 2,59
